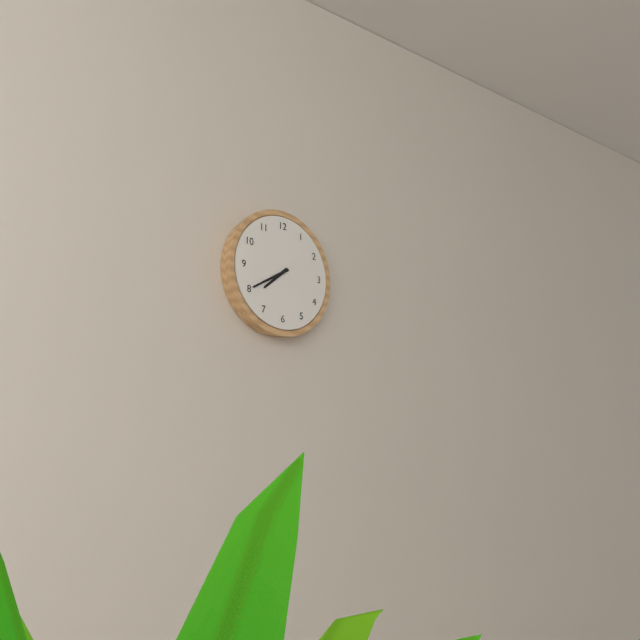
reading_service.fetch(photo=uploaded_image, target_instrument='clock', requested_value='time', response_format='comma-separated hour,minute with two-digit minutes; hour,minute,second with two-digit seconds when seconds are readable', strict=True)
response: 7,40
